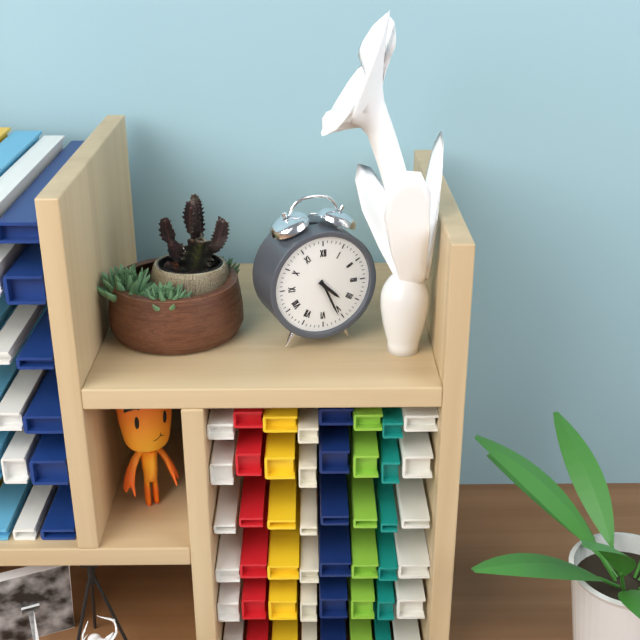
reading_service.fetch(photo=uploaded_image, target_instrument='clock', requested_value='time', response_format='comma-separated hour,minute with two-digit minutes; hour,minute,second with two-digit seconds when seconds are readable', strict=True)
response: 4,26
